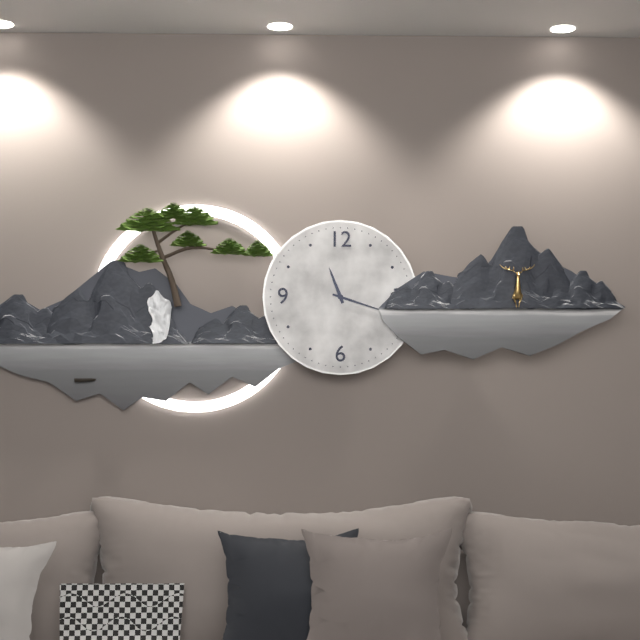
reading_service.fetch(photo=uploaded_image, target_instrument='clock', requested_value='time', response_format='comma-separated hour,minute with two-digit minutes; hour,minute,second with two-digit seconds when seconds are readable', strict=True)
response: 11,18
